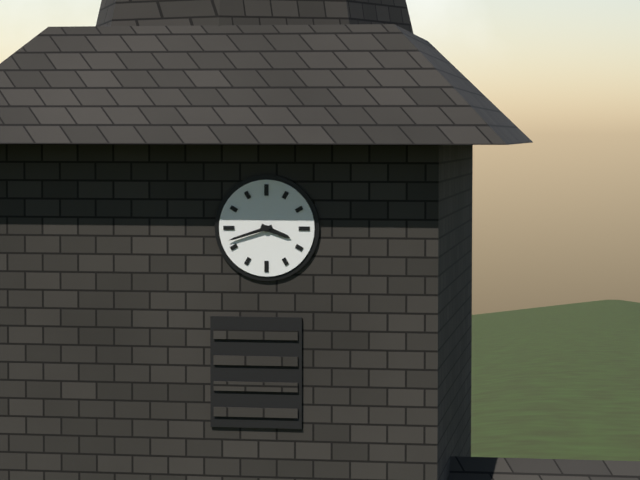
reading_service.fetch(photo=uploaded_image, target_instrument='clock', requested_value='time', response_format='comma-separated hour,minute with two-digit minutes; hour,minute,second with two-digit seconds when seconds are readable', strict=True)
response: 3,42
